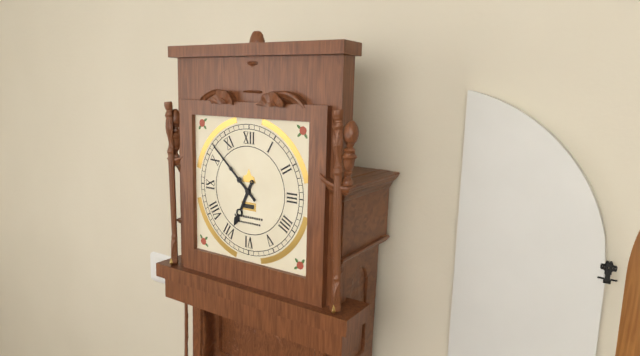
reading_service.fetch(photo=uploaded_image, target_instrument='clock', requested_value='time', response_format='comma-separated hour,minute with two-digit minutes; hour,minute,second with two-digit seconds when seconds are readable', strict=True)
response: 6,52
